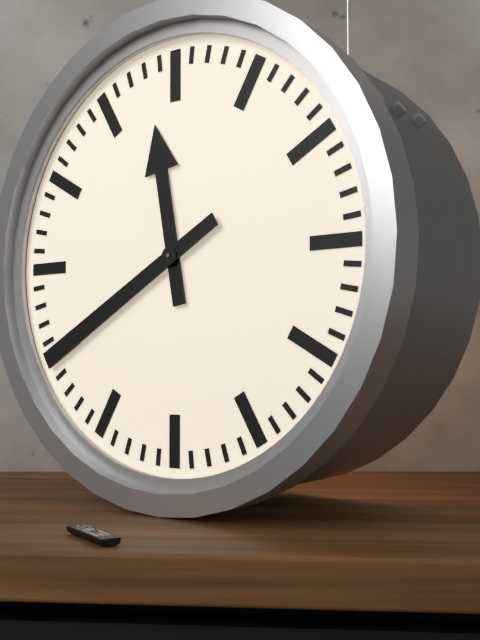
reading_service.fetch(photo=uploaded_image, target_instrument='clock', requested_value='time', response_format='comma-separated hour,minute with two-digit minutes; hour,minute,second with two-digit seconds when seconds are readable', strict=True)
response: 11,40
